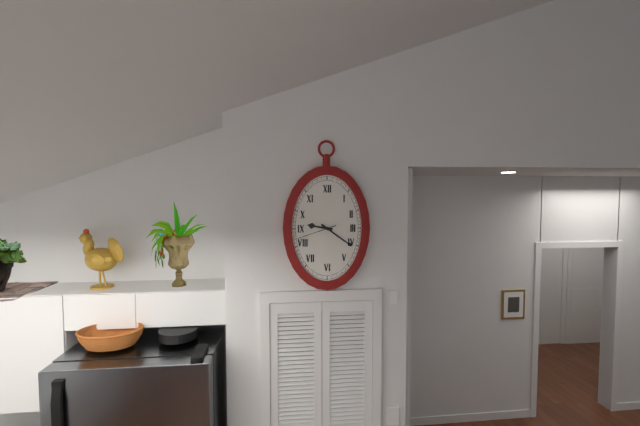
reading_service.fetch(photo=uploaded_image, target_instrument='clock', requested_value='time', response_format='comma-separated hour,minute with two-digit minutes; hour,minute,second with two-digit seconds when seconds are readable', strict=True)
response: 9,21
